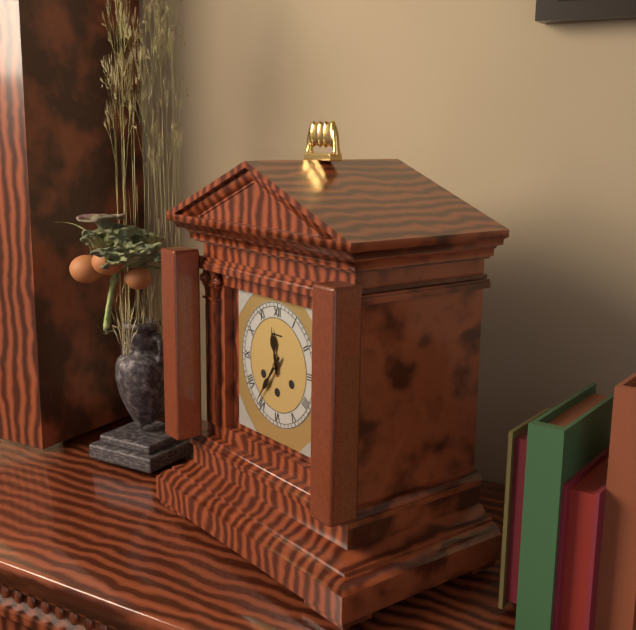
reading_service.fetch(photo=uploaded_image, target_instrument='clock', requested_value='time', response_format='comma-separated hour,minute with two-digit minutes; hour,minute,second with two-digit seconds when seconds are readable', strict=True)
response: 11,36
